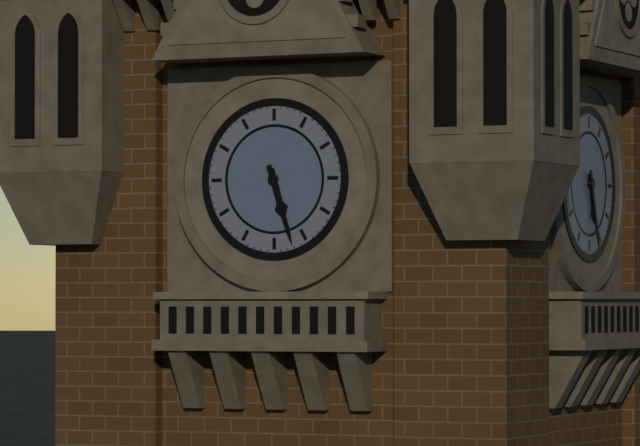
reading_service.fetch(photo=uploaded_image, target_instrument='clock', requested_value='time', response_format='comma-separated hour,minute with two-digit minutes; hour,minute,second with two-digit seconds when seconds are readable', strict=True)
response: 5,27
